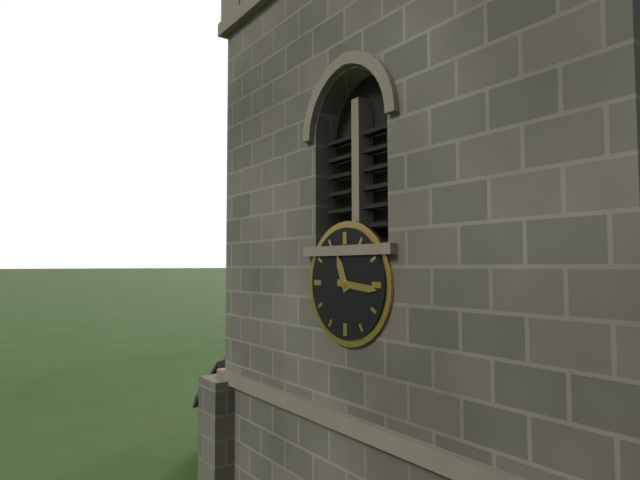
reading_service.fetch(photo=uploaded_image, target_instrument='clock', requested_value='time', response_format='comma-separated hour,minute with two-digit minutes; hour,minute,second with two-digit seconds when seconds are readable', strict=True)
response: 11,16
